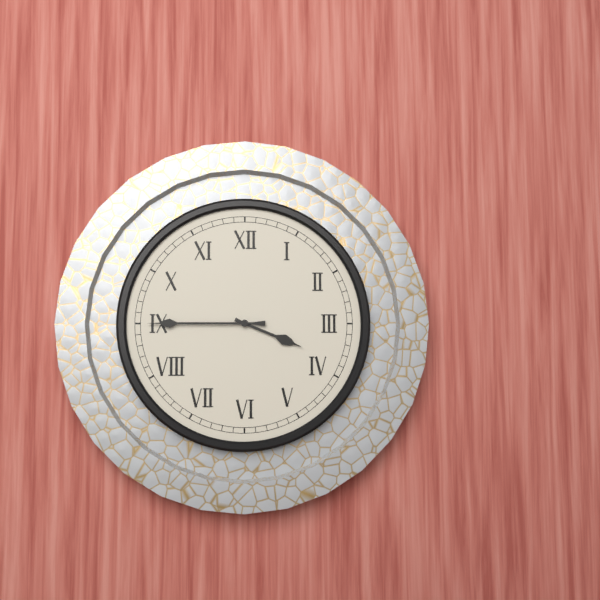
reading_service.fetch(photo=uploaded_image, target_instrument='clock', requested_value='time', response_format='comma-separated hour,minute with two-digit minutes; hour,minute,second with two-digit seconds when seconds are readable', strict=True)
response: 3,45
